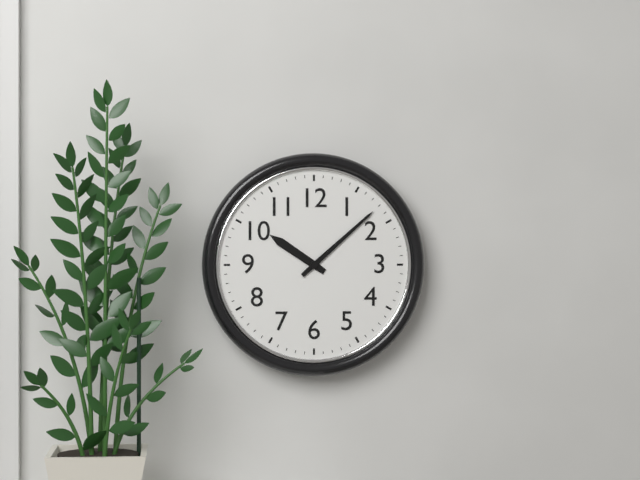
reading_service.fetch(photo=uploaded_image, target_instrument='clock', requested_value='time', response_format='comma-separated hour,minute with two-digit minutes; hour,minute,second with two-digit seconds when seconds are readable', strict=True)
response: 10,08
